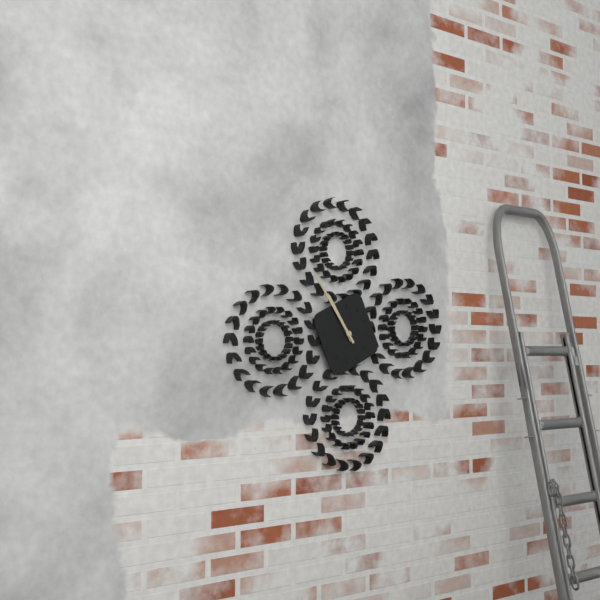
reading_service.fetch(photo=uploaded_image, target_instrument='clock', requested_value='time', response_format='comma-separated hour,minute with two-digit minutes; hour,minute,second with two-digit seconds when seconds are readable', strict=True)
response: 10,54
